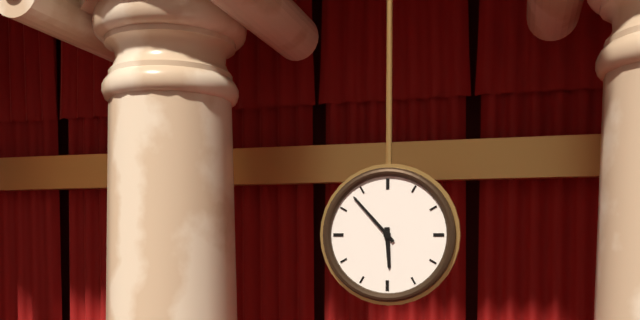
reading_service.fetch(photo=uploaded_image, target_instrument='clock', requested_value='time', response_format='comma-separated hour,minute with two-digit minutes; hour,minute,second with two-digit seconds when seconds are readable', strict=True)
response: 5,53
